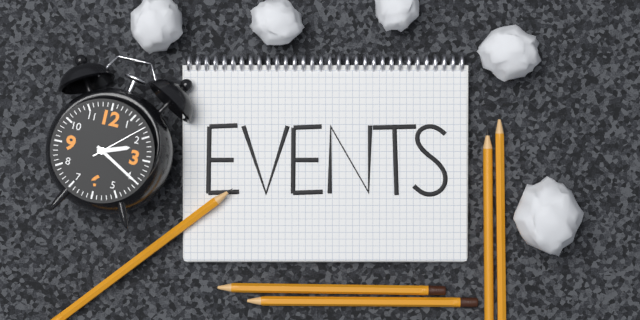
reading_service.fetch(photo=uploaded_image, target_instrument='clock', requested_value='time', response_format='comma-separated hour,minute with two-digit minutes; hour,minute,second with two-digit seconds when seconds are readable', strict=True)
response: 2,20,08
